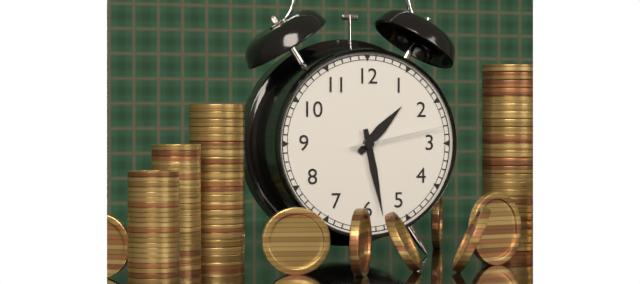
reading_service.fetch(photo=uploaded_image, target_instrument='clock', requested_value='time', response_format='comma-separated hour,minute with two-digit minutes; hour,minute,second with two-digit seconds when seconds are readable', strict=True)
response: 1,28,13
